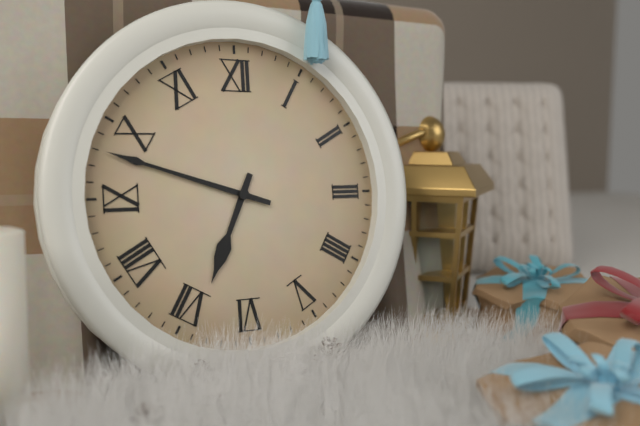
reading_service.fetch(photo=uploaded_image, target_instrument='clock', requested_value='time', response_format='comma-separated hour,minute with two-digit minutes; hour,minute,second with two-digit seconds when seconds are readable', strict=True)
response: 6,48
